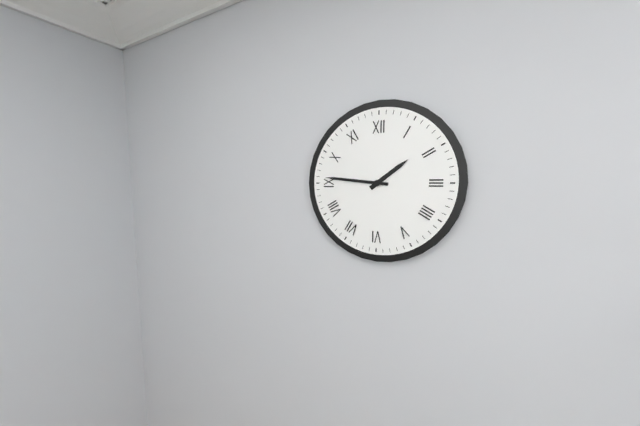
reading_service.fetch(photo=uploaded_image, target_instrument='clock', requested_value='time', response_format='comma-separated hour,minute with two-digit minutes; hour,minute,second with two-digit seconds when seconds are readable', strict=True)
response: 1,46
